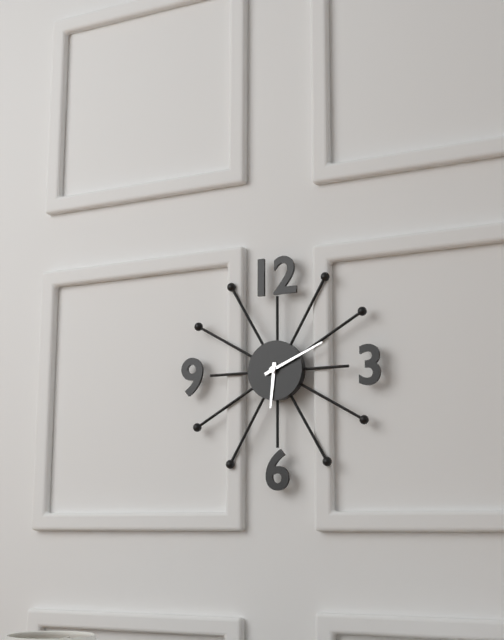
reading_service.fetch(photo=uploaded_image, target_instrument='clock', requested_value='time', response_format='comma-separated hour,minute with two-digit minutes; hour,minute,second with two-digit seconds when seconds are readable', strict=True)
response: 6,11
